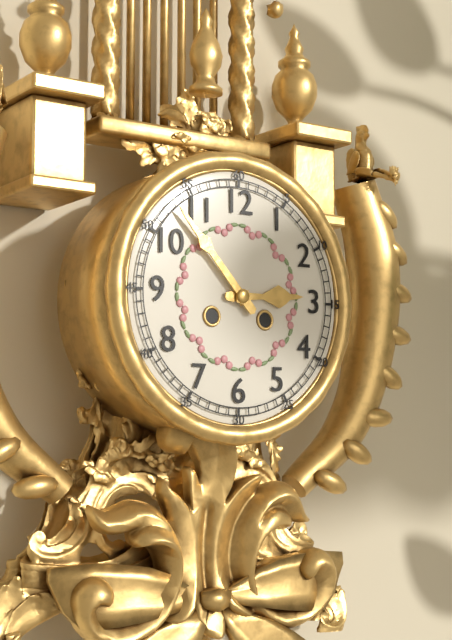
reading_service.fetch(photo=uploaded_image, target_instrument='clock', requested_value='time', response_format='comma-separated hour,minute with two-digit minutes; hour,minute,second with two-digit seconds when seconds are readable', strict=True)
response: 2,53
